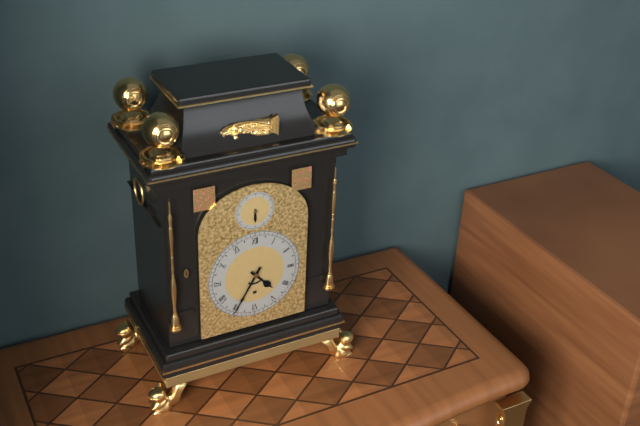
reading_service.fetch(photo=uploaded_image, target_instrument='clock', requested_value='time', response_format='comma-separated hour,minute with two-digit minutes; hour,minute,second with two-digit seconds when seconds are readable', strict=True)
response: 4,35
